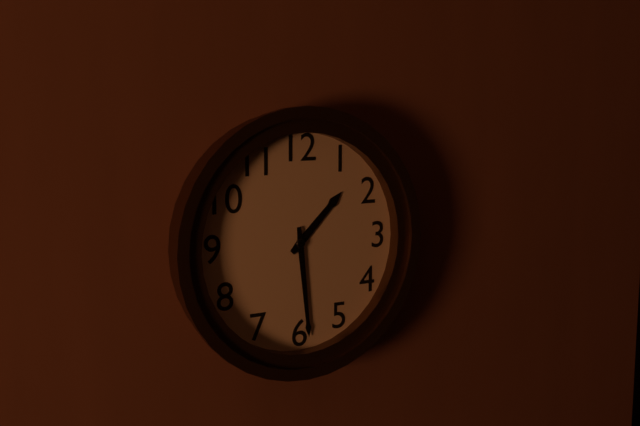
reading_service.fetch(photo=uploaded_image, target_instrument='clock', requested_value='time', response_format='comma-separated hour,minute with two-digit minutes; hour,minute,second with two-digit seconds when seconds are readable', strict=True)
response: 1,29
